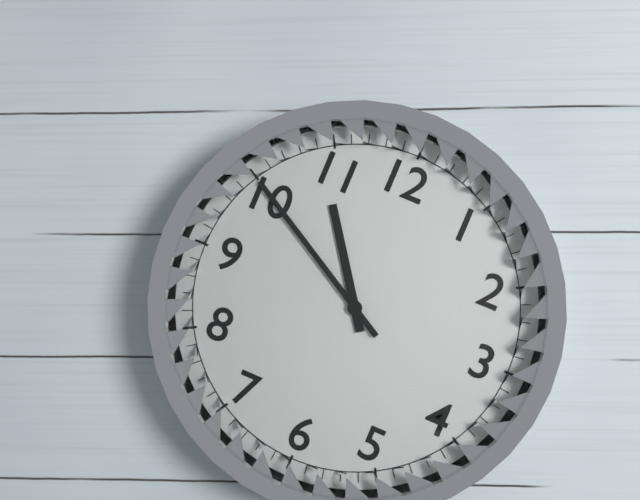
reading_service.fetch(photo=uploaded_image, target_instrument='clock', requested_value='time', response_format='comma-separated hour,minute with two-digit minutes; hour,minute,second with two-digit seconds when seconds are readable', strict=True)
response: 10,50
